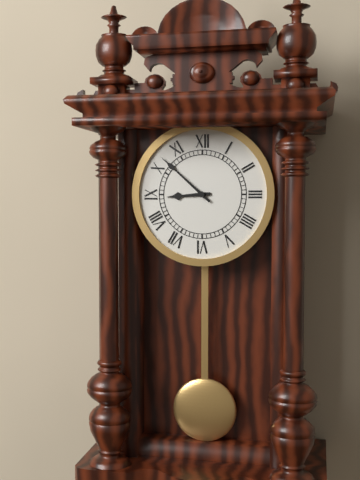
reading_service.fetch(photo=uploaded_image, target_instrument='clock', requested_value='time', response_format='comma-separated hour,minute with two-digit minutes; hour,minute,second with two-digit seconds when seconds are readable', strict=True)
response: 8,52
